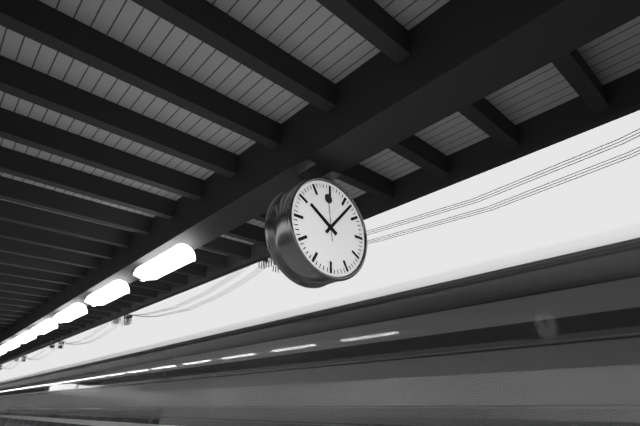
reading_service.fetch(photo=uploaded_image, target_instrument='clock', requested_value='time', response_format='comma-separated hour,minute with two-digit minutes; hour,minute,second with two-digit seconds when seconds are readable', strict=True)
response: 10,07
